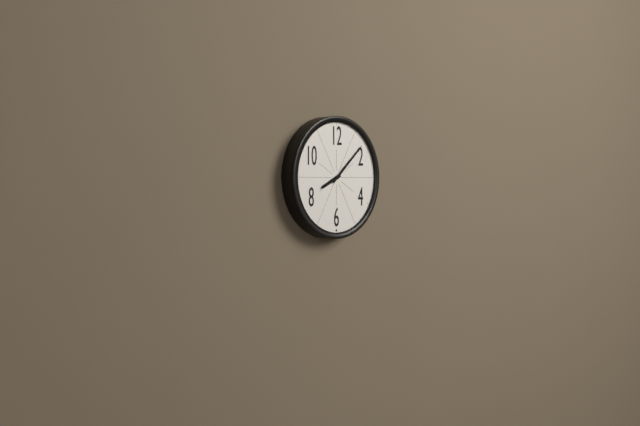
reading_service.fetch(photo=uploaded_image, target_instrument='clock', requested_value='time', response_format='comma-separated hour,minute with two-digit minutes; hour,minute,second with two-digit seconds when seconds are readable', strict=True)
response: 8,08
